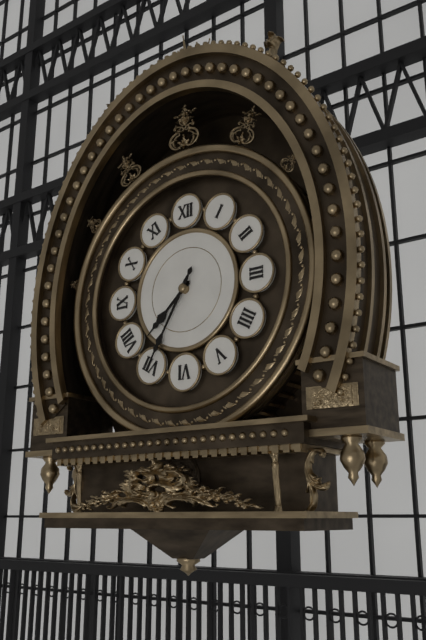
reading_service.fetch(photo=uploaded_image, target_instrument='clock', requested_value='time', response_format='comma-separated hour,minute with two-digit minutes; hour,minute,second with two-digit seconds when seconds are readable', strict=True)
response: 7,35
